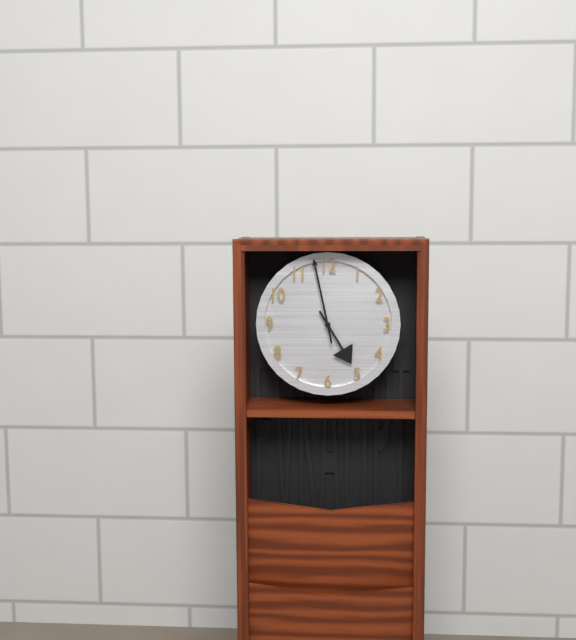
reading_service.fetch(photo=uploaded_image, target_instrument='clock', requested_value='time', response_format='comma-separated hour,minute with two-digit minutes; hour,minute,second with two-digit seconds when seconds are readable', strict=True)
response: 4,58
